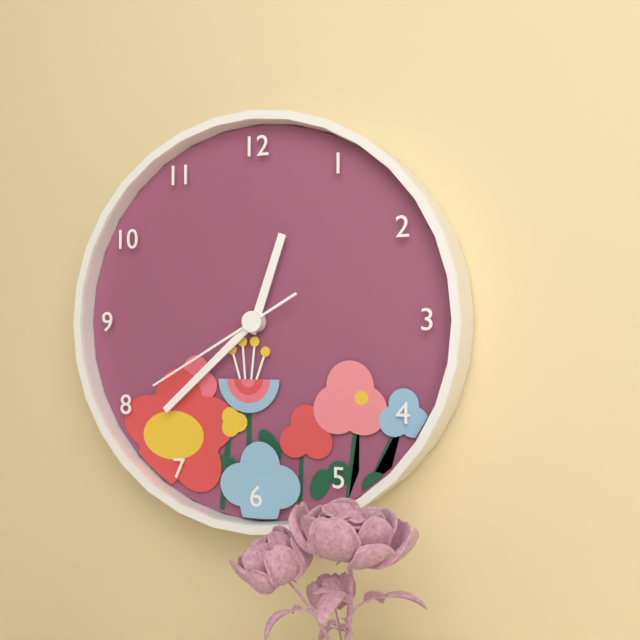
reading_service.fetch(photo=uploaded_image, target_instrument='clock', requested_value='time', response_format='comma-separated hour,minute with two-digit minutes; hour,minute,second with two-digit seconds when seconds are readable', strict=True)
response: 12,38,40
